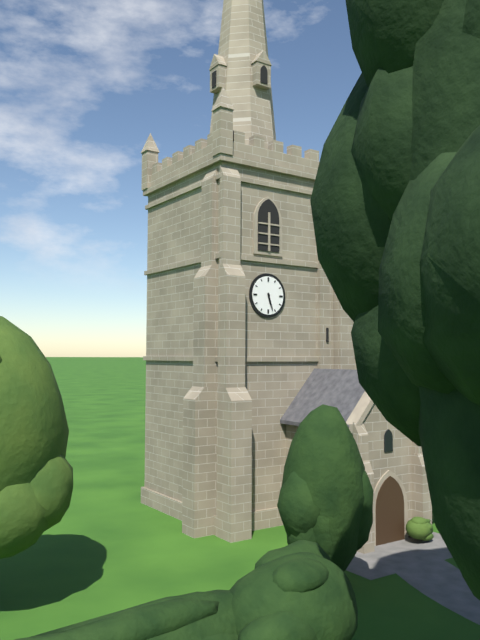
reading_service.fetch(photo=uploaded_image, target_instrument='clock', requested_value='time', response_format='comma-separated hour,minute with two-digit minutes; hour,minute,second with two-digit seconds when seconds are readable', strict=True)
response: 5,27
